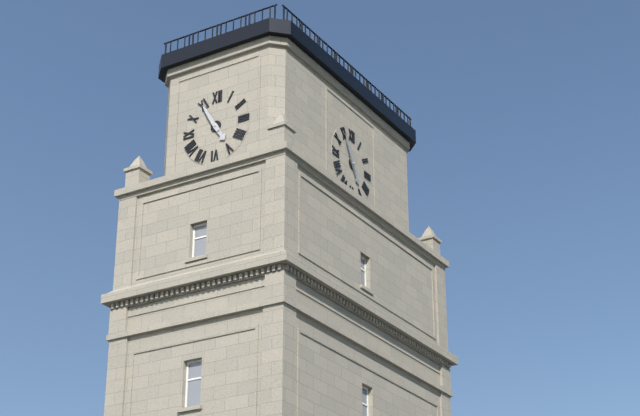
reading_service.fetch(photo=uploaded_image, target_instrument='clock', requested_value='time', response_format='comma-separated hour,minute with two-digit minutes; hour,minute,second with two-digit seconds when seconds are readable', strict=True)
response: 4,55
